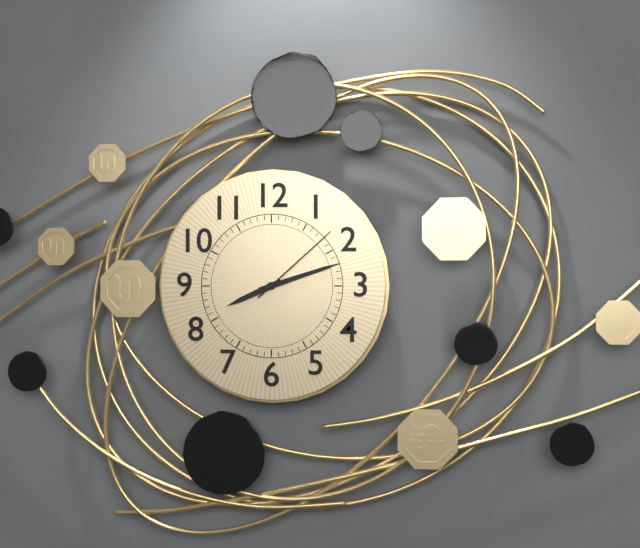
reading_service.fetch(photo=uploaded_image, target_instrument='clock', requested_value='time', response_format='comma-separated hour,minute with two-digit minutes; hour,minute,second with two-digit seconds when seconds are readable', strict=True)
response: 8,12,08
